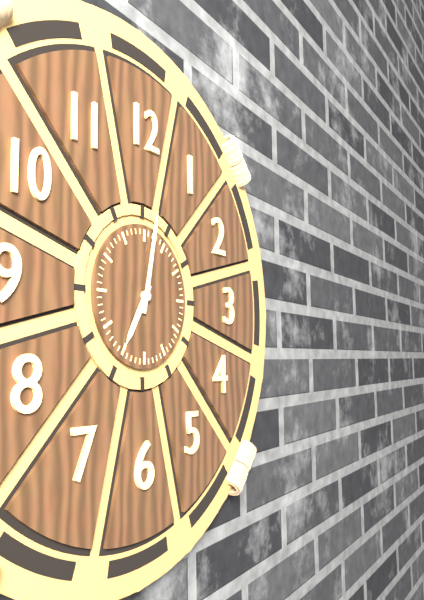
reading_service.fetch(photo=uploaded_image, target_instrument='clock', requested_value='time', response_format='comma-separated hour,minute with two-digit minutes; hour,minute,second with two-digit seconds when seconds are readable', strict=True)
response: 7,02
